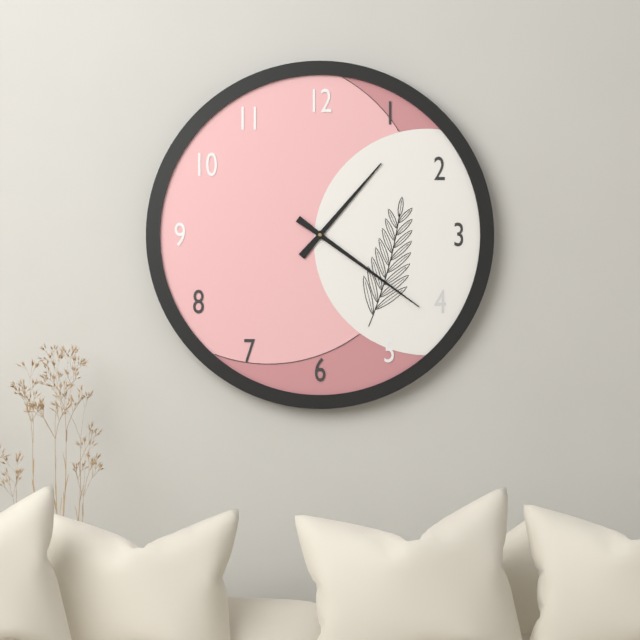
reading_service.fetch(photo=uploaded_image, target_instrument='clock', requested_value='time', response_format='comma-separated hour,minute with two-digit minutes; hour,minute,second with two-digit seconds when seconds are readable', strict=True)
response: 1,21
